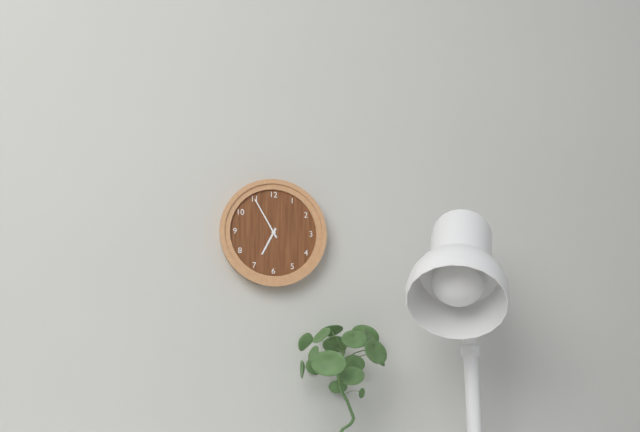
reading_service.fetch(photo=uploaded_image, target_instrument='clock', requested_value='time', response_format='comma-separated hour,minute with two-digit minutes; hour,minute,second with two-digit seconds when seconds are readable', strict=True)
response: 6,55
